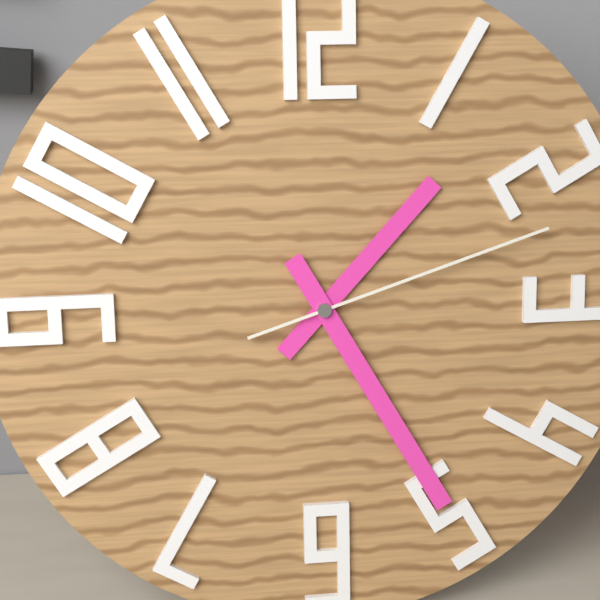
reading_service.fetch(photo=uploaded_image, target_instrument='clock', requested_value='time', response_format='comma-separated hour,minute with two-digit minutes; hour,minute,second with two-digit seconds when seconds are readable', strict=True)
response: 1,25,12
